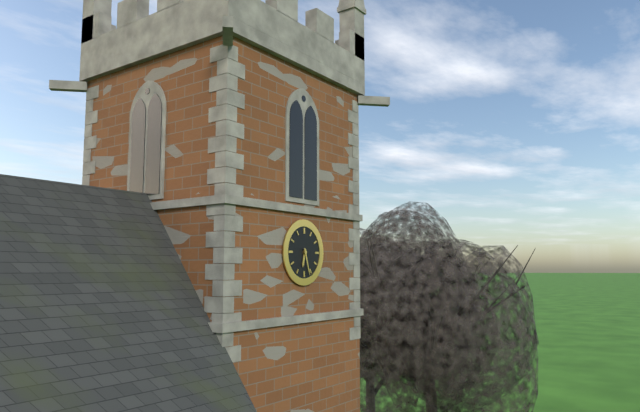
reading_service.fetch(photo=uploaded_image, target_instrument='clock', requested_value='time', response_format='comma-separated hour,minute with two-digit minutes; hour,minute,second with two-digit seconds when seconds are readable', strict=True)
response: 6,27
